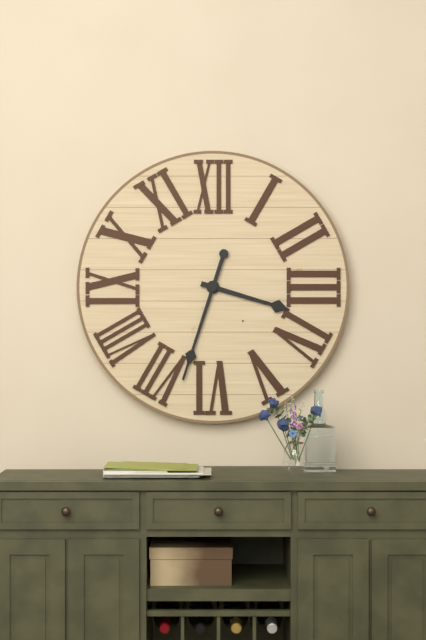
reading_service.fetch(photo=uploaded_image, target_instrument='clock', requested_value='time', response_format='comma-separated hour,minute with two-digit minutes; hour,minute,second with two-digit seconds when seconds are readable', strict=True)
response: 3,33
